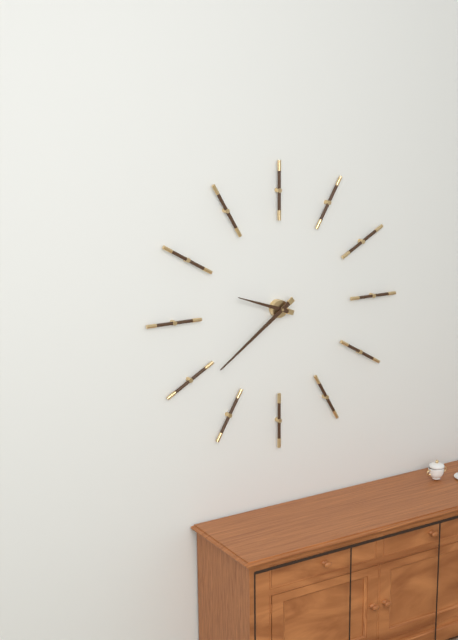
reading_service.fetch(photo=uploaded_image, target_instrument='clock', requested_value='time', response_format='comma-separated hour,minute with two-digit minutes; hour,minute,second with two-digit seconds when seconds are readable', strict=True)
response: 9,39
